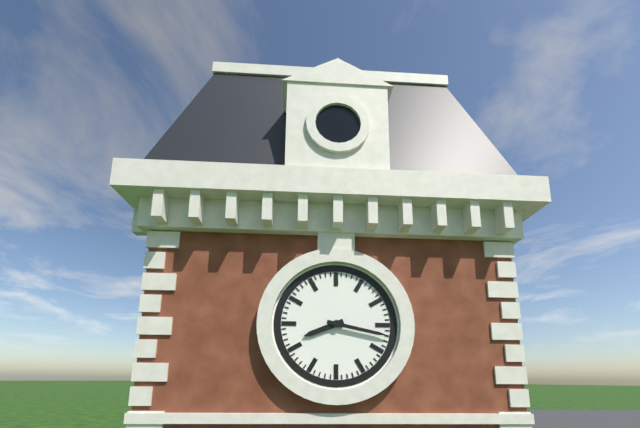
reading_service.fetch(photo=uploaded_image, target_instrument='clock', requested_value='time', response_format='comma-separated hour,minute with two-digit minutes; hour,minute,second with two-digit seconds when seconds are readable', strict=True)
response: 8,17
